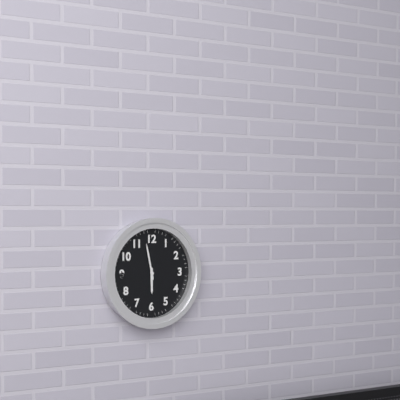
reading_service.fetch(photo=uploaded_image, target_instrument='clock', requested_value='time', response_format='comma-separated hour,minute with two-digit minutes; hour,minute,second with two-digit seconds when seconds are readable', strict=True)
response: 5,58
